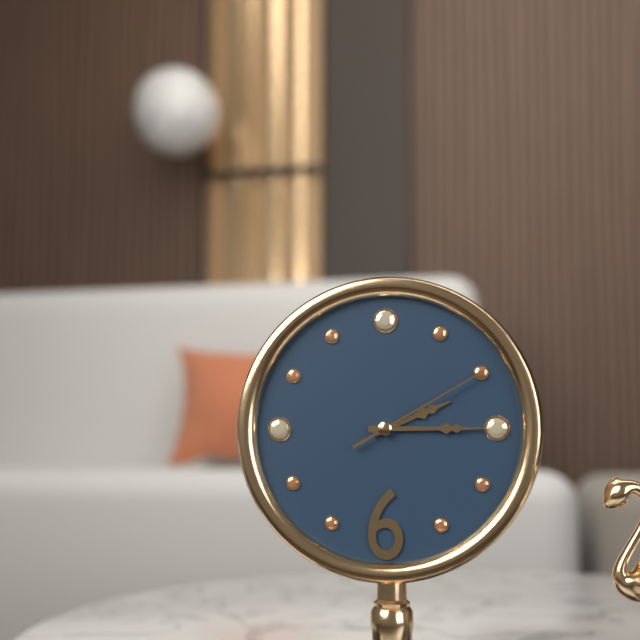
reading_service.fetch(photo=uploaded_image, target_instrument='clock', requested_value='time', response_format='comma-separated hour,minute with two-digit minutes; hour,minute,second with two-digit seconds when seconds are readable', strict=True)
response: 2,15,10
